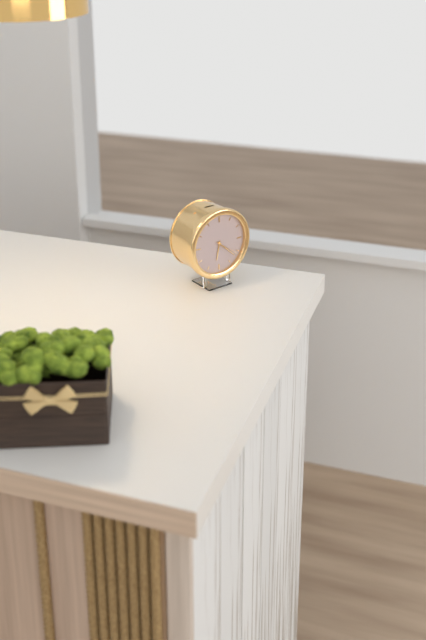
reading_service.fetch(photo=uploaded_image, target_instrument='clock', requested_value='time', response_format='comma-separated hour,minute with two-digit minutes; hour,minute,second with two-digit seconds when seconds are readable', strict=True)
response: 6,22
